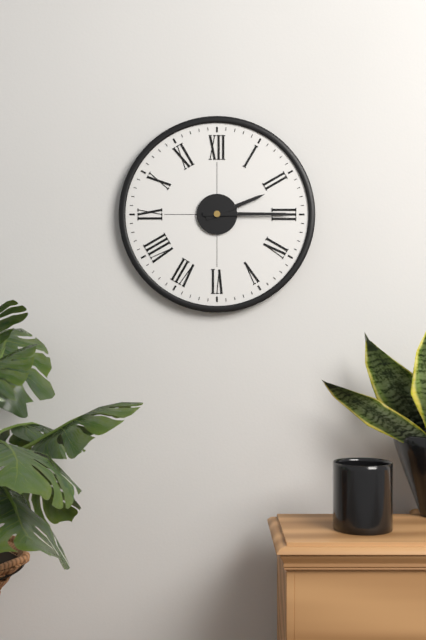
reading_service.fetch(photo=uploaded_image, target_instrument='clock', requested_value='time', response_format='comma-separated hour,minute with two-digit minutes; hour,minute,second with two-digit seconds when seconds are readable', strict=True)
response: 2,15
